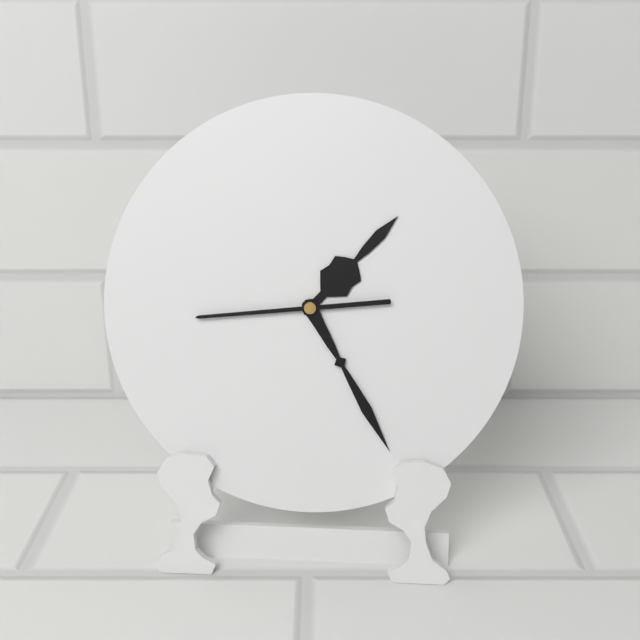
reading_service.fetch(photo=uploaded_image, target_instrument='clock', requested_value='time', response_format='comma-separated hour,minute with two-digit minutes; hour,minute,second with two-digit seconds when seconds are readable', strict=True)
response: 1,25,44
